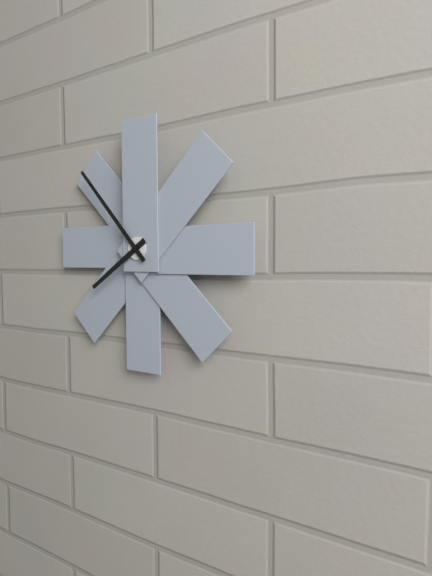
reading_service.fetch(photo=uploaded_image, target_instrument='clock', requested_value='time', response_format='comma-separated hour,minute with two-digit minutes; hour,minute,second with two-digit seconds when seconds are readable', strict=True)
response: 7,53
